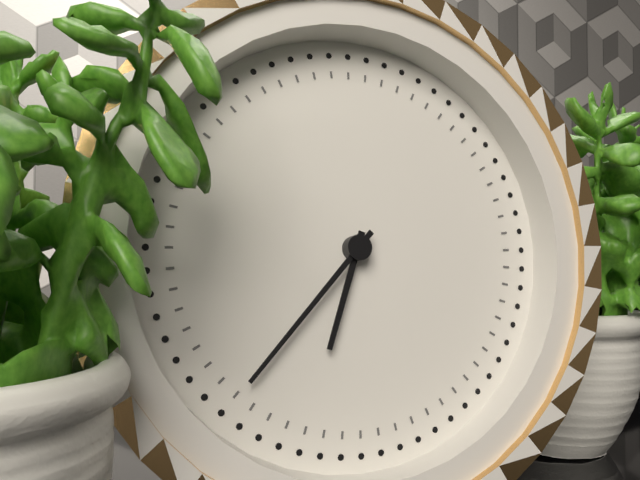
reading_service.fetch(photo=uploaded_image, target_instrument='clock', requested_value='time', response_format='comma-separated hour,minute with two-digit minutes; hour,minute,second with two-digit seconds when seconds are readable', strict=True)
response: 6,37
